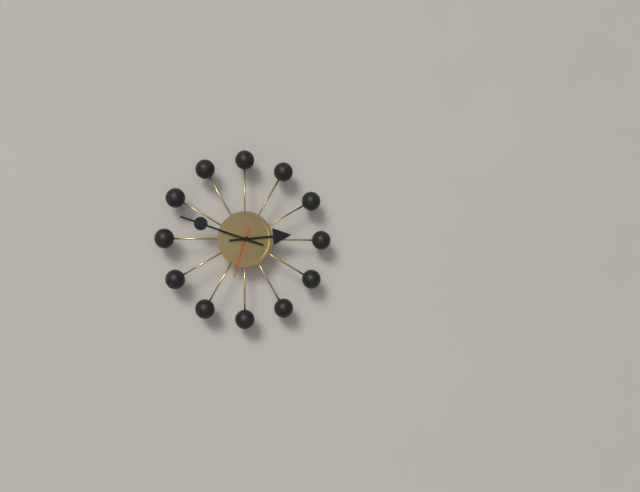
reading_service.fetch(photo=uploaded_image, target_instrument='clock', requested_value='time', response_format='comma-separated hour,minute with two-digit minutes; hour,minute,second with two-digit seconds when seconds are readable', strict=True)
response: 2,48,33
